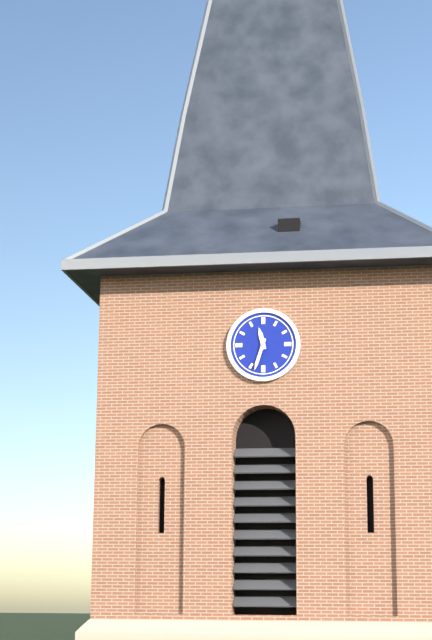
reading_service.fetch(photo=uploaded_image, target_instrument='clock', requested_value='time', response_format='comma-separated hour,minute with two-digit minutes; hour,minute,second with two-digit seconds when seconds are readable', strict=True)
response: 11,33
